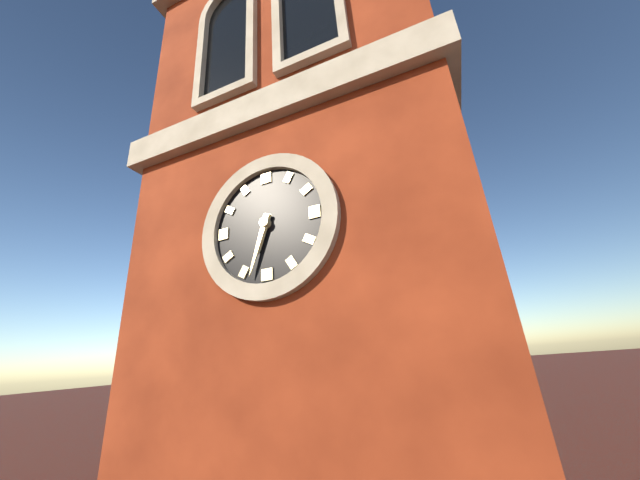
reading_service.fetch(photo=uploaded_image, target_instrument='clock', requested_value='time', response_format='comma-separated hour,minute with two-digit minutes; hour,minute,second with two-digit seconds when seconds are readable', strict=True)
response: 6,33
